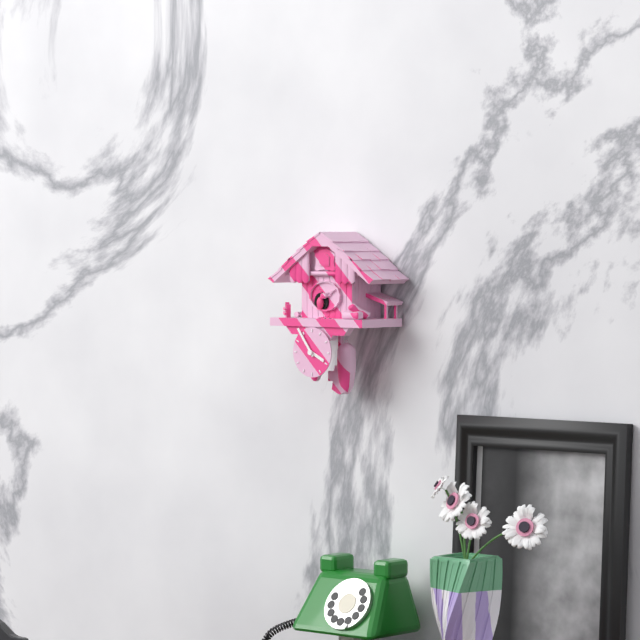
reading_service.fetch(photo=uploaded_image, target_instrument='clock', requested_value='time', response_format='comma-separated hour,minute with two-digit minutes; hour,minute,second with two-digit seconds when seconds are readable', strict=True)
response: 3,54
